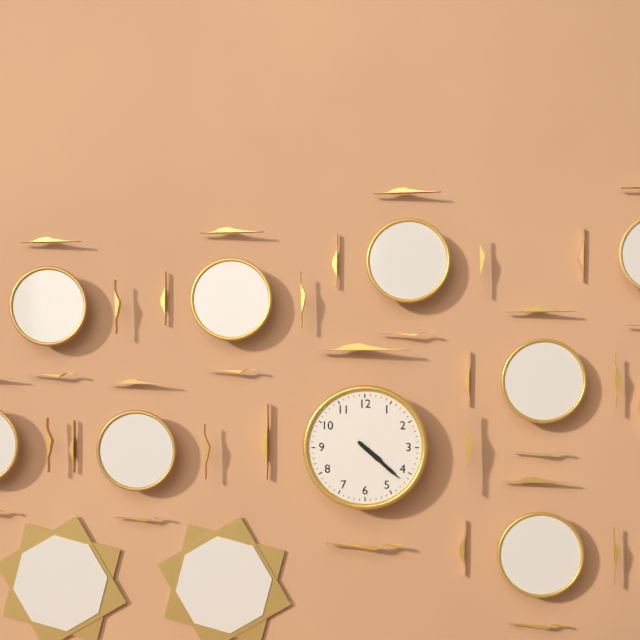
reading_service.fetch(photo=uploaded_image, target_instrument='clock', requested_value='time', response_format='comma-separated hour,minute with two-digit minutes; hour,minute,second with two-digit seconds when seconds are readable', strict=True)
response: 4,22
